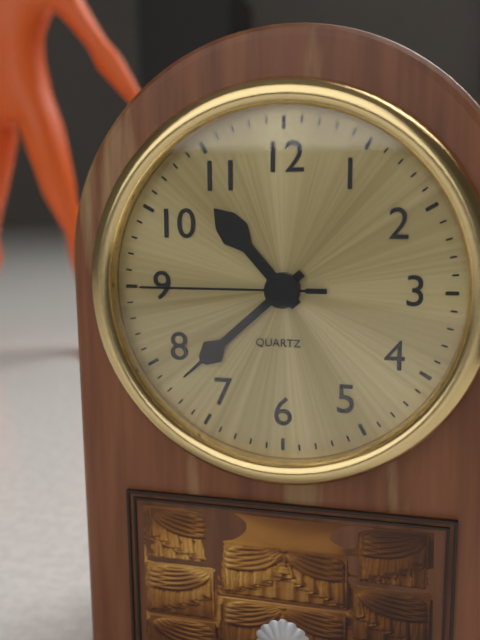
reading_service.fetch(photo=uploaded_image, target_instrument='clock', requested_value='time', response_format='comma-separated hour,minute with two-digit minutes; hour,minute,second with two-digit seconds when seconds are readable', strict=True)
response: 10,38,45
